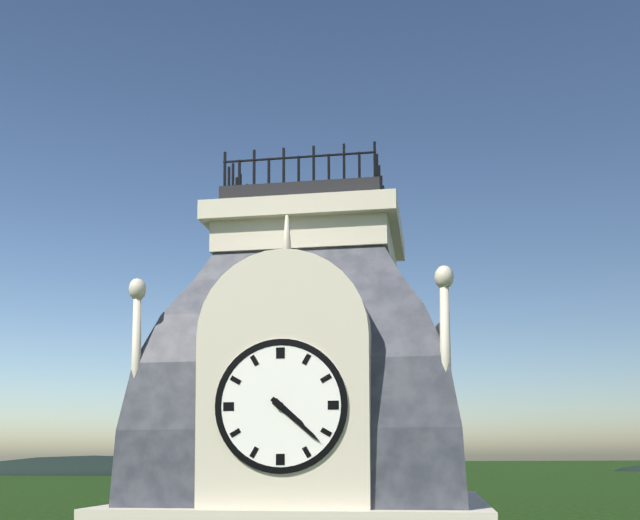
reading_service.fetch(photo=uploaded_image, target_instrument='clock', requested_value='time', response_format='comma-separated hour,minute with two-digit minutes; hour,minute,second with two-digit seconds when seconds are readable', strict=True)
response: 4,22
